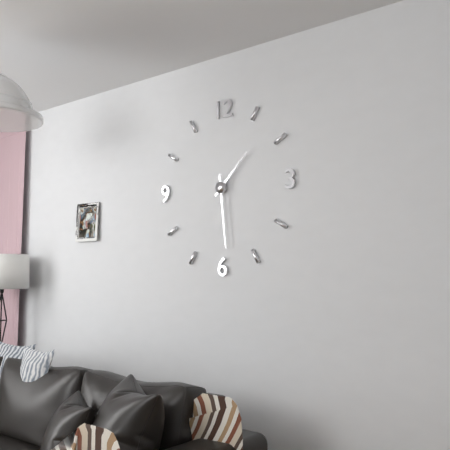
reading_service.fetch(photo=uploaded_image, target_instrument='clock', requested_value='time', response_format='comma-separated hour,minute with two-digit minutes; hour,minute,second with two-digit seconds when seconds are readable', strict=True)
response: 1,29
